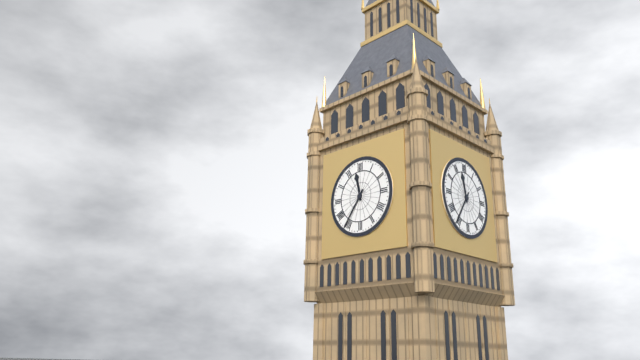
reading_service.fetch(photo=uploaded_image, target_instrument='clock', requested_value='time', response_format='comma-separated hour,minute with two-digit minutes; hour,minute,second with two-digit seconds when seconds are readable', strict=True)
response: 11,36
